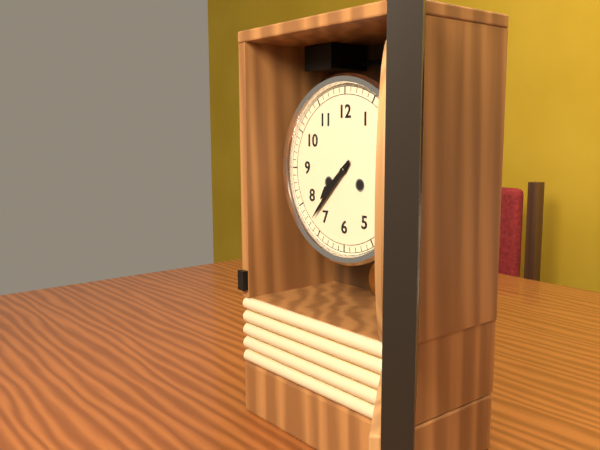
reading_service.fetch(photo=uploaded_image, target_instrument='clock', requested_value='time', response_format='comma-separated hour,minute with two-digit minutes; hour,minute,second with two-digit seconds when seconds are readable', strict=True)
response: 7,37
